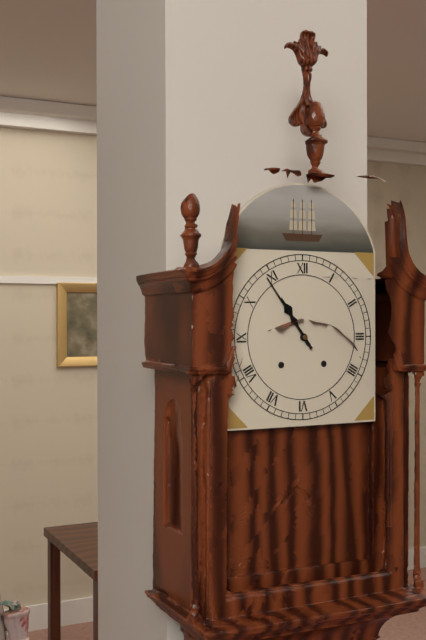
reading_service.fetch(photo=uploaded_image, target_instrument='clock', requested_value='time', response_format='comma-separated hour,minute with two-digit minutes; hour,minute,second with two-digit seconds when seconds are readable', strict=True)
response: 10,54
